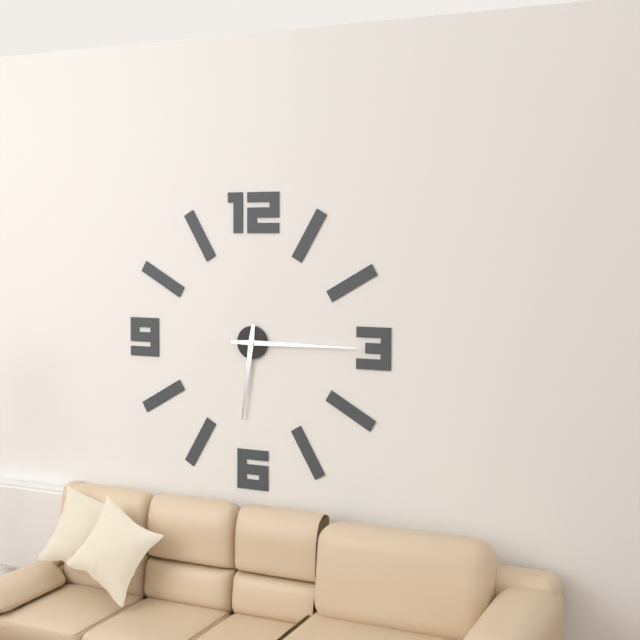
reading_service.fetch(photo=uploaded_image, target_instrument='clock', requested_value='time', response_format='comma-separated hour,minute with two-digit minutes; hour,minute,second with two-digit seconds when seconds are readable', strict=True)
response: 6,15
